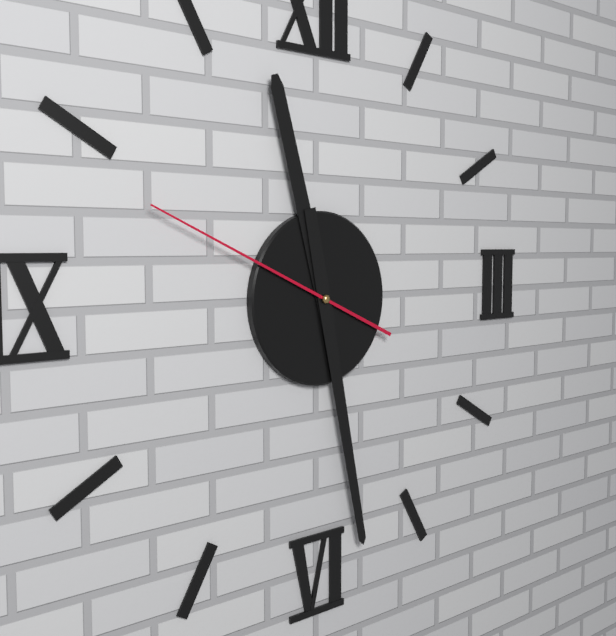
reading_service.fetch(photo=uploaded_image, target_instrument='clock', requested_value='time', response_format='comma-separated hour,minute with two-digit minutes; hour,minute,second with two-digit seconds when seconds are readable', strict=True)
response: 11,28,49
